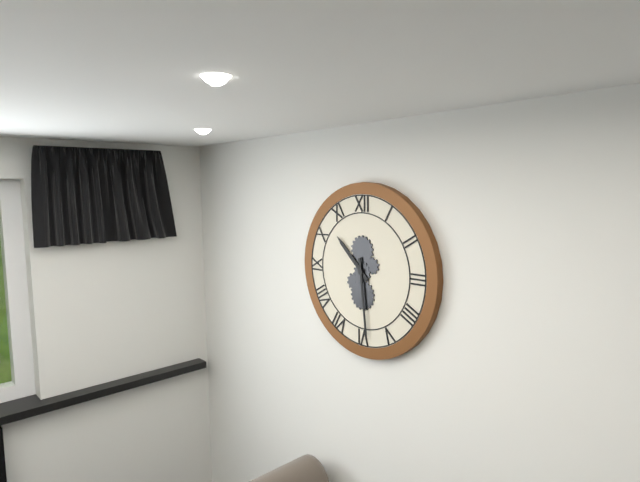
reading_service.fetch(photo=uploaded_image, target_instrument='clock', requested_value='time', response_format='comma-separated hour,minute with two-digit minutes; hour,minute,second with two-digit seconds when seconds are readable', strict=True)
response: 10,29
